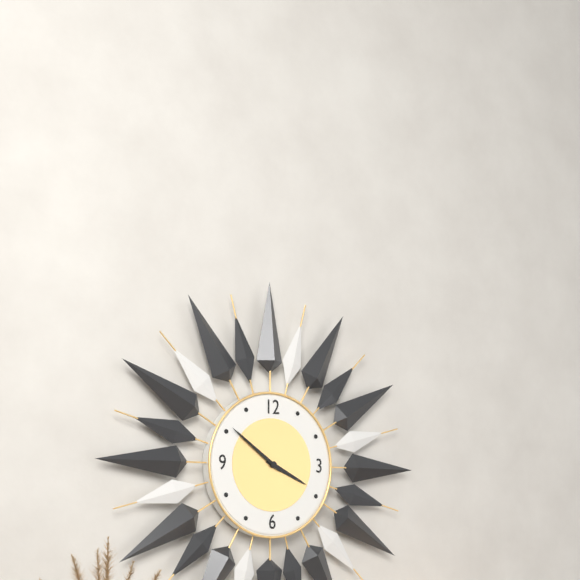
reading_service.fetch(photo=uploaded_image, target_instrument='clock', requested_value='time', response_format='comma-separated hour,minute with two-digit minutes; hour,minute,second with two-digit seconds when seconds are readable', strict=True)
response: 3,51
